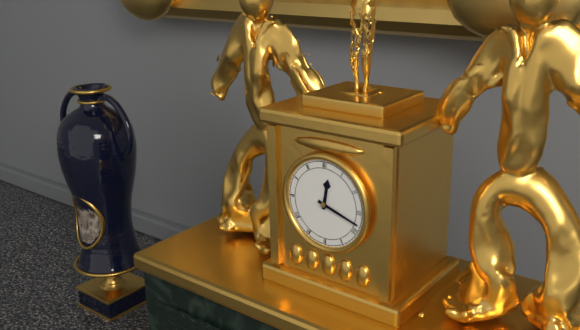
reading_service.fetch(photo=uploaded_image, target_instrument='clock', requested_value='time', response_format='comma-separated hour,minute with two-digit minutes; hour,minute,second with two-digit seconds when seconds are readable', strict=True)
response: 12,18
